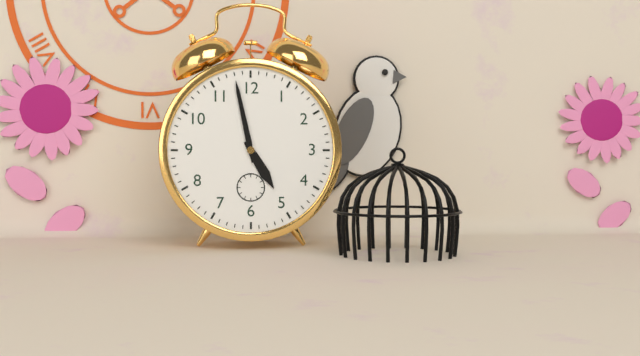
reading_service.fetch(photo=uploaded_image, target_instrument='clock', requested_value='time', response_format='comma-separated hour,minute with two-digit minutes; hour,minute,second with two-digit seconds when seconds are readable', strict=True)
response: 4,58
